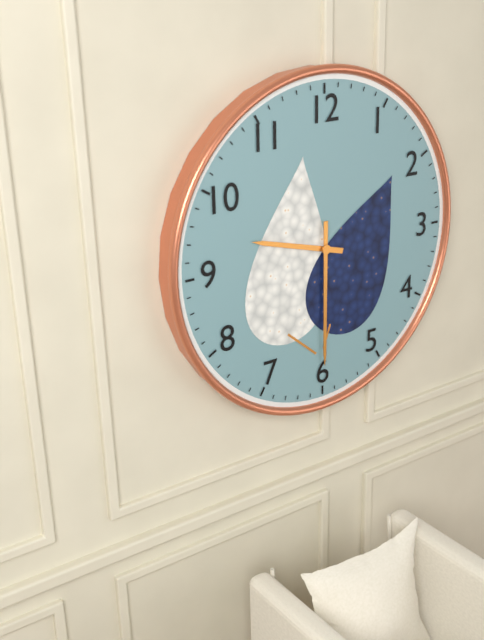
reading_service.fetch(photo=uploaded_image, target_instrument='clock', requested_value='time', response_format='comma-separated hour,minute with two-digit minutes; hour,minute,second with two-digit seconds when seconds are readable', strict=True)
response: 9,30
